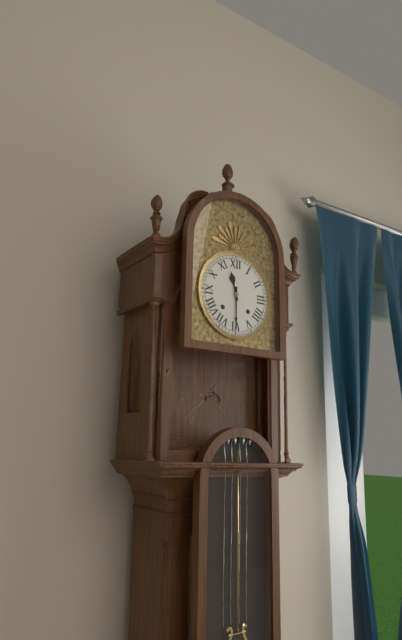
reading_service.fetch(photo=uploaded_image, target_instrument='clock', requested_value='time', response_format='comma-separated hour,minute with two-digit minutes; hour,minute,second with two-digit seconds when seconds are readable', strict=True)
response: 11,30
